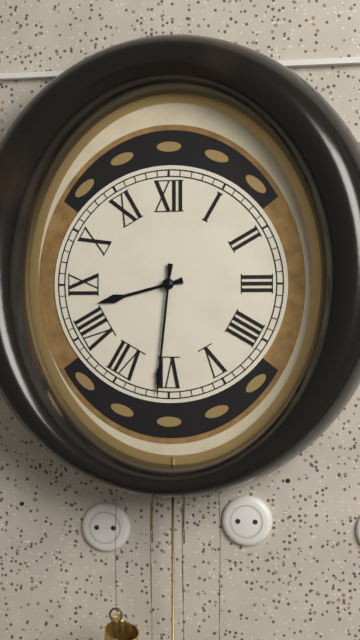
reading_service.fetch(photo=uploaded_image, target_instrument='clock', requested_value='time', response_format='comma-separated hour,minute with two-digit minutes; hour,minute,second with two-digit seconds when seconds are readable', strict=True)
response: 8,31
